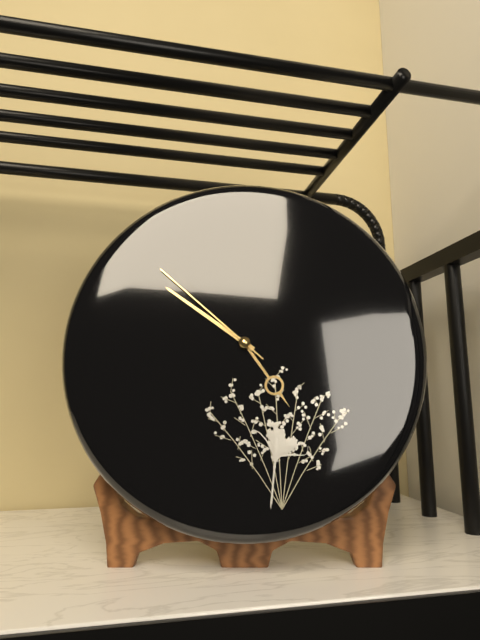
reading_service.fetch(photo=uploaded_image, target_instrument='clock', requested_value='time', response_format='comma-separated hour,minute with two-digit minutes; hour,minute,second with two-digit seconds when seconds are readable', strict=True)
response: 4,51,52
